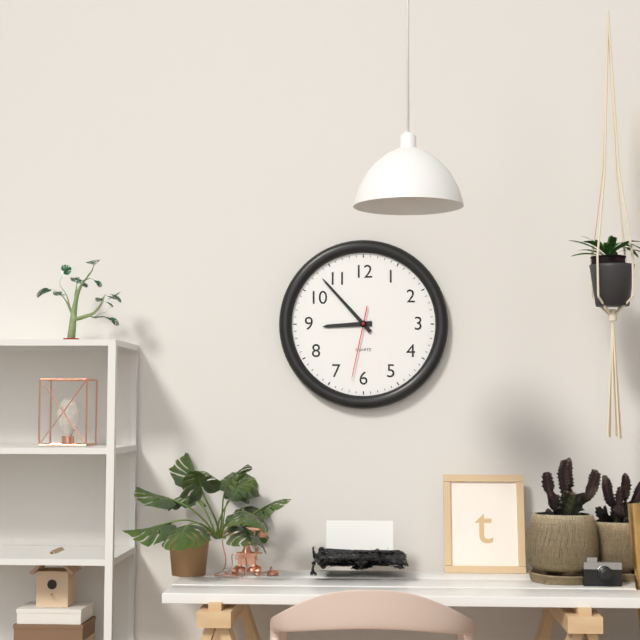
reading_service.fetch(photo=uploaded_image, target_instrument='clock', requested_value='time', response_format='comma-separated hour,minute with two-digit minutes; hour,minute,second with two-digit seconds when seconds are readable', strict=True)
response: 8,53,32
